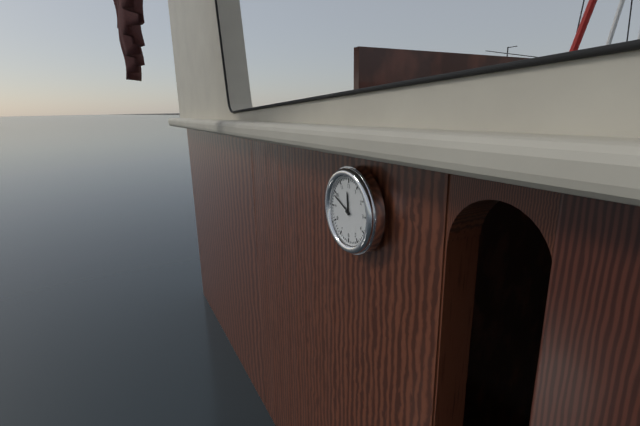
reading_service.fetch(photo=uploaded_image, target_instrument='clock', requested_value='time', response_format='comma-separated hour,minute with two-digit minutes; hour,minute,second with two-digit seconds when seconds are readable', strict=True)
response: 11,49
